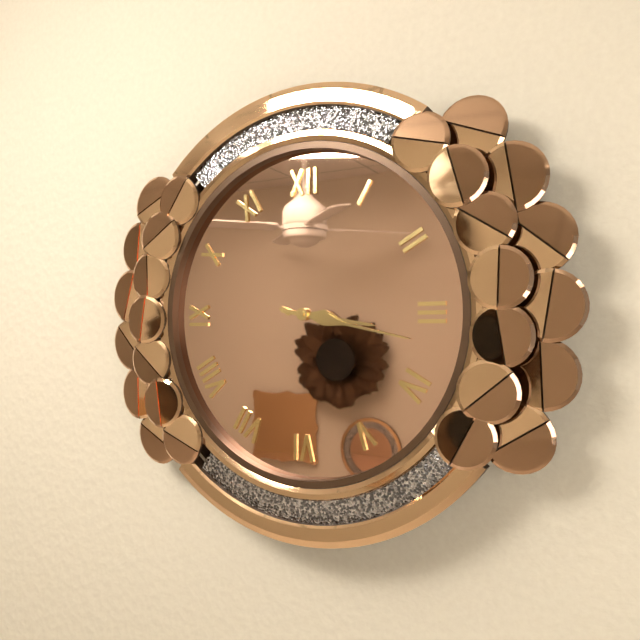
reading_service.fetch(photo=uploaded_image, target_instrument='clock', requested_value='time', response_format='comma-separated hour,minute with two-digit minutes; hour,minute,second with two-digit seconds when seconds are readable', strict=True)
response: 3,17
